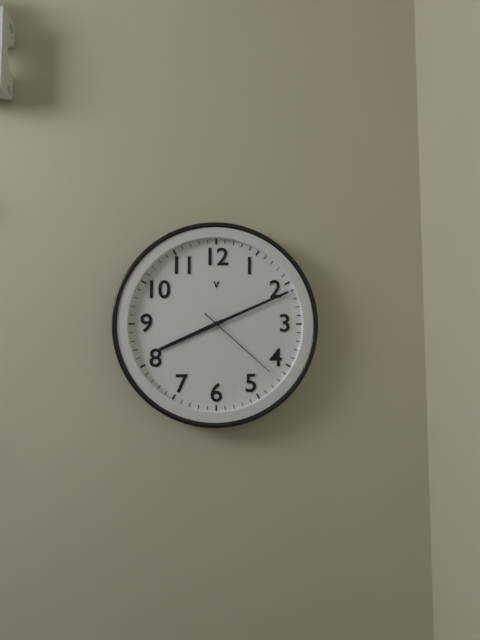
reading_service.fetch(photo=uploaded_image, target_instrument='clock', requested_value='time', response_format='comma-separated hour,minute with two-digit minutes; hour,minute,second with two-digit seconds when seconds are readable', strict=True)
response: 8,11,22
